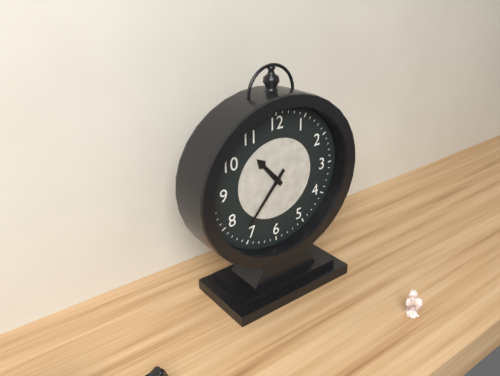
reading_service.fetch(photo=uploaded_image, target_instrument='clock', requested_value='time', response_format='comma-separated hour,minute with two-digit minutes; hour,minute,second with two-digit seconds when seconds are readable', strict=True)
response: 10,37
